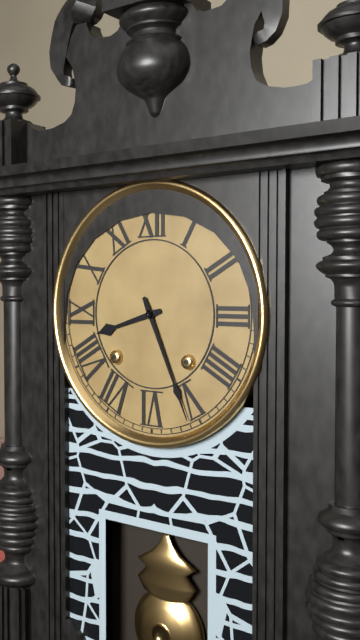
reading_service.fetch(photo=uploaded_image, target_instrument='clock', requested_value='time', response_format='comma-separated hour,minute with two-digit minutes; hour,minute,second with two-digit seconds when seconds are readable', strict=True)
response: 8,26
